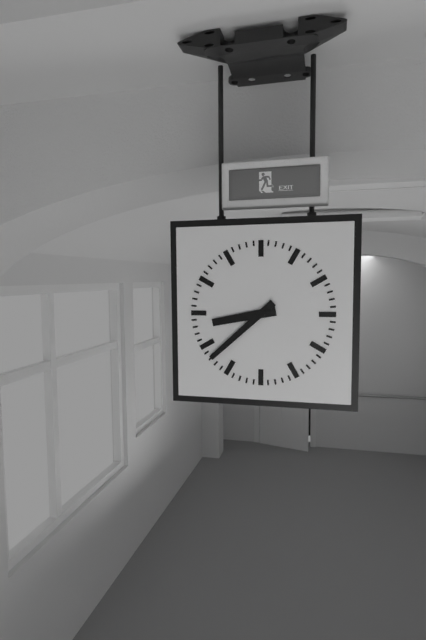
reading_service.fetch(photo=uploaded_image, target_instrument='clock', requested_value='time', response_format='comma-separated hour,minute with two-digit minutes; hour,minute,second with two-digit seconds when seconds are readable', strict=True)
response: 8,38
